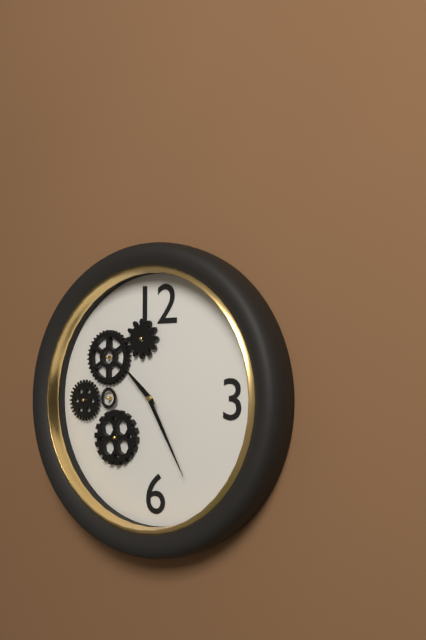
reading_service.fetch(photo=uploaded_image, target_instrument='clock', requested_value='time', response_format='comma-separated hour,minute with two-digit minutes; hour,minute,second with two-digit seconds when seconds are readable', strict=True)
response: 10,25
